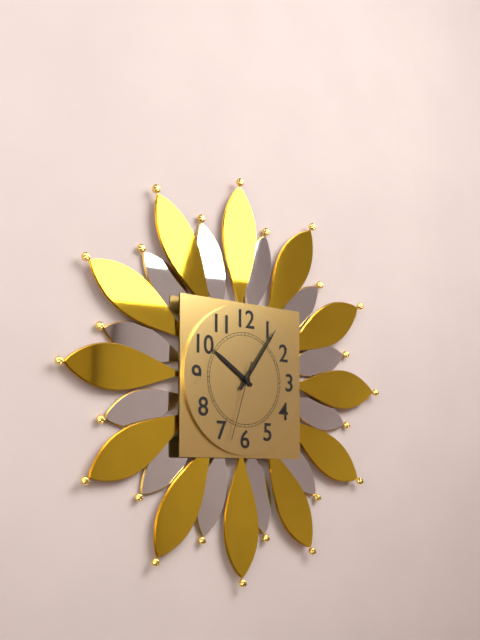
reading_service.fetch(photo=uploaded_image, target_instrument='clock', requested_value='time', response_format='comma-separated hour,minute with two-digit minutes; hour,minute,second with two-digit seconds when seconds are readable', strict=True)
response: 10,06,33
